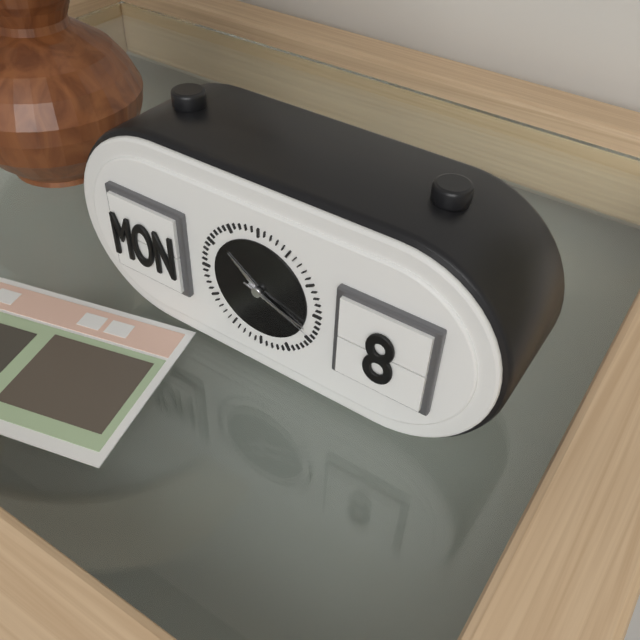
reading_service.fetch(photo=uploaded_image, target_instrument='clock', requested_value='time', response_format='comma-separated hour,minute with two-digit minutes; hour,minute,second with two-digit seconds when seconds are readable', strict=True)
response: 10,19,18
